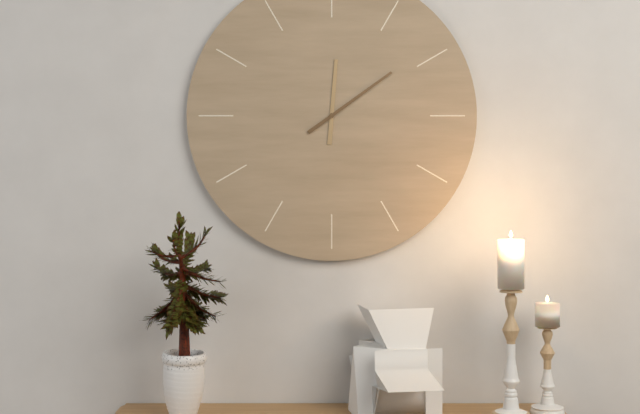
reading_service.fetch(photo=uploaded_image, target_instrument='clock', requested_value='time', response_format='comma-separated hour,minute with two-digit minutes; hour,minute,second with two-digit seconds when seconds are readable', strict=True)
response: 12,09
